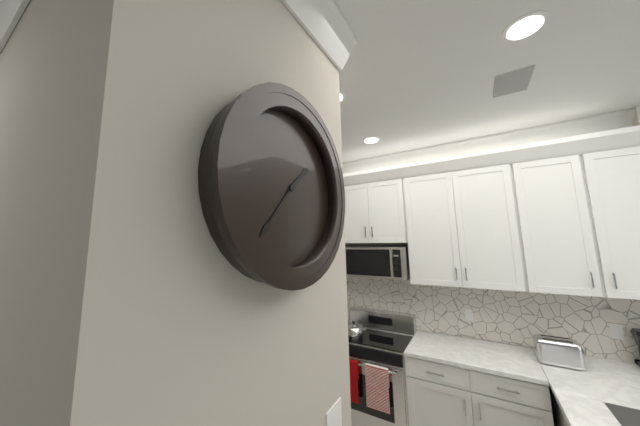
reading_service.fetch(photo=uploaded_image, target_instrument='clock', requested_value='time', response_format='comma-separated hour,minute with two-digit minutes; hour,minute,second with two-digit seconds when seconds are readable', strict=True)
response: 1,37
